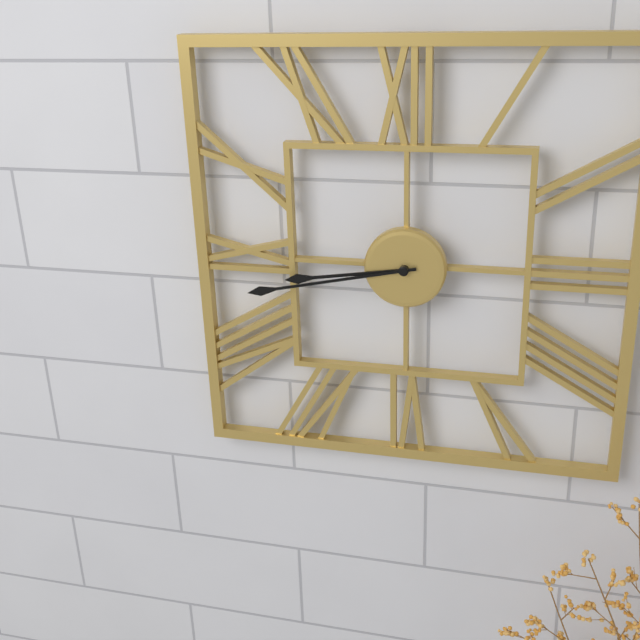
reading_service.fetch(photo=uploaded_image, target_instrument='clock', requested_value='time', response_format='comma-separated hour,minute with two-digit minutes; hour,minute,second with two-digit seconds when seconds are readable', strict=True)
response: 8,43
